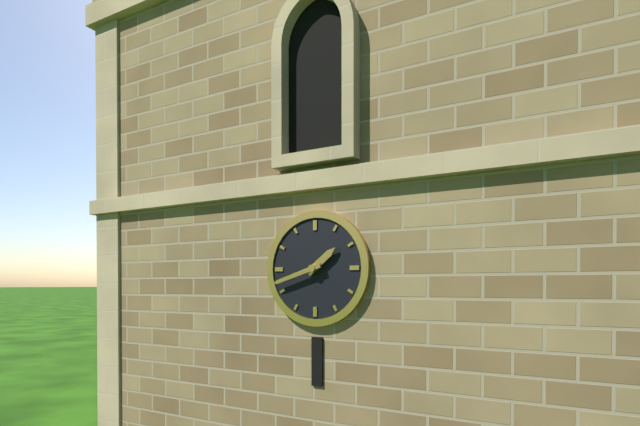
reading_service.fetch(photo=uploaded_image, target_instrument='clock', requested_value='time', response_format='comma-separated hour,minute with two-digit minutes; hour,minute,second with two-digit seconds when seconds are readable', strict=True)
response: 1,42
